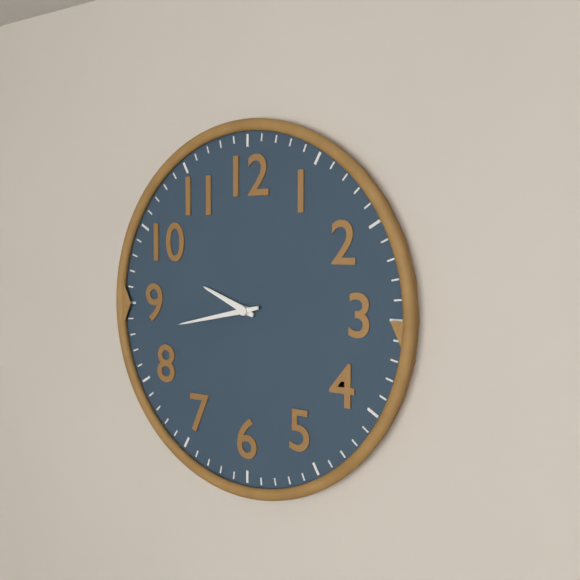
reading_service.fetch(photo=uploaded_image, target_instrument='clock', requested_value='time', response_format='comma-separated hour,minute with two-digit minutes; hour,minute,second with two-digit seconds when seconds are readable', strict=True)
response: 9,43
